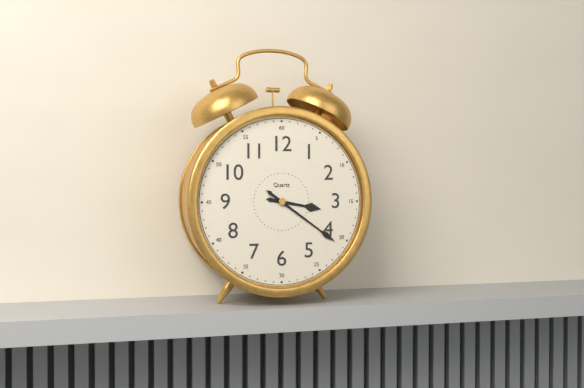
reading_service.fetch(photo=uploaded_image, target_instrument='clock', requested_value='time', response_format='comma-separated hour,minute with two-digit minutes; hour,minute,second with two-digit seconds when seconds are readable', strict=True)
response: 3,21
